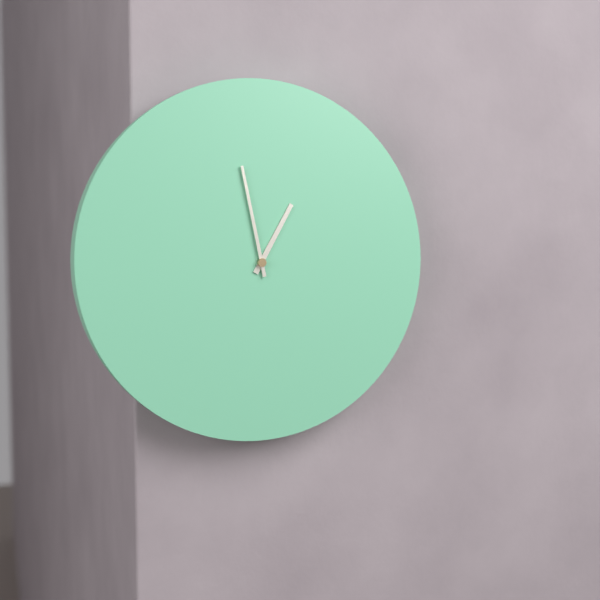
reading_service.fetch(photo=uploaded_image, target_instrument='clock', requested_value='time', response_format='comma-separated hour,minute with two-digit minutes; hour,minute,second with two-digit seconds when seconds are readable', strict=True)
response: 12,58
